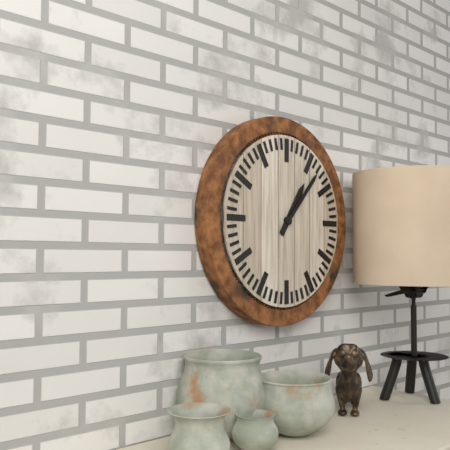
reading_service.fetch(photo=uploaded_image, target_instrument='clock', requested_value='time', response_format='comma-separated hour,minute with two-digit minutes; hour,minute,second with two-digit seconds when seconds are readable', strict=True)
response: 1,07
